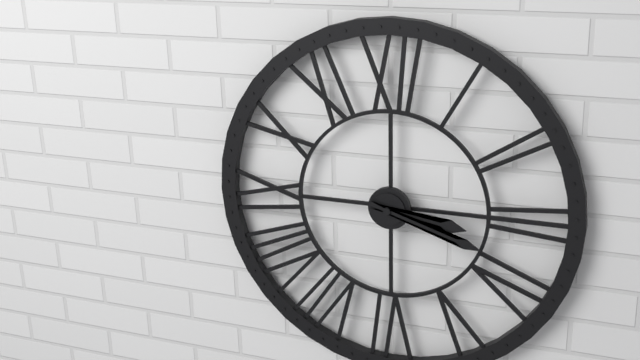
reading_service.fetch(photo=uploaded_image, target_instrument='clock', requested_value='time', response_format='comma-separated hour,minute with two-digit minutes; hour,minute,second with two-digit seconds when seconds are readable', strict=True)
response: 3,18
